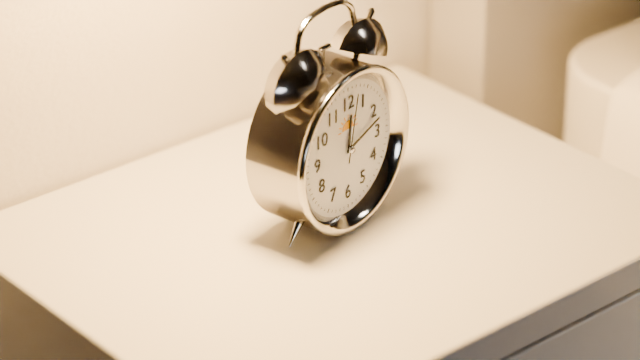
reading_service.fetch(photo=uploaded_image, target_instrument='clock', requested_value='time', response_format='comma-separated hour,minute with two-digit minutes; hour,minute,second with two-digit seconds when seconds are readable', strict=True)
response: 12,12,02
